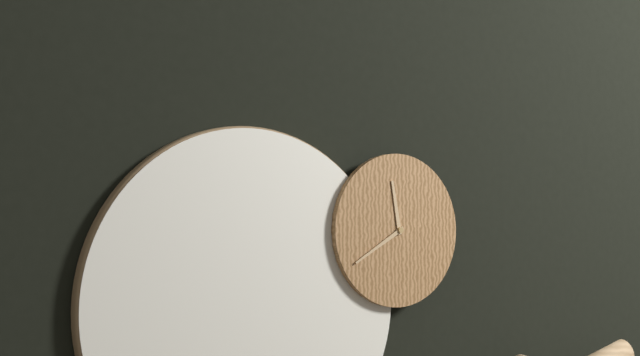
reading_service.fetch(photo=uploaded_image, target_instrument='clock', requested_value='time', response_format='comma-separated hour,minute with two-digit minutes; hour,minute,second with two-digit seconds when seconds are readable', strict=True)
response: 11,40
